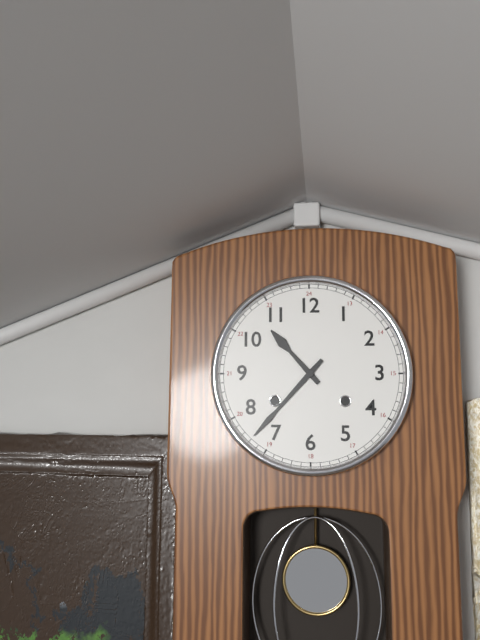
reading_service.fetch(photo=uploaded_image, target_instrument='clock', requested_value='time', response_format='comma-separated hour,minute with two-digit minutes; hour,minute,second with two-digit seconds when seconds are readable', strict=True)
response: 10,37
